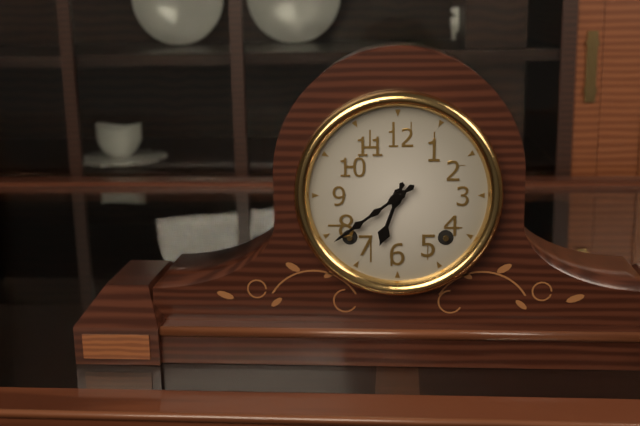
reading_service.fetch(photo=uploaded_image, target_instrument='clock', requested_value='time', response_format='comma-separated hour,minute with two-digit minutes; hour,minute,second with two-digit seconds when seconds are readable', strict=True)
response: 6,39
